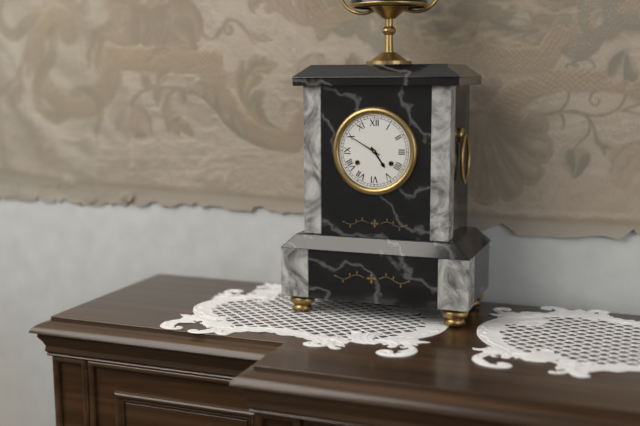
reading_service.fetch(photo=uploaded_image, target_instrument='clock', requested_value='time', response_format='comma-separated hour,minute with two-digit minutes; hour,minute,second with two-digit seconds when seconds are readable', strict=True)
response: 4,50
